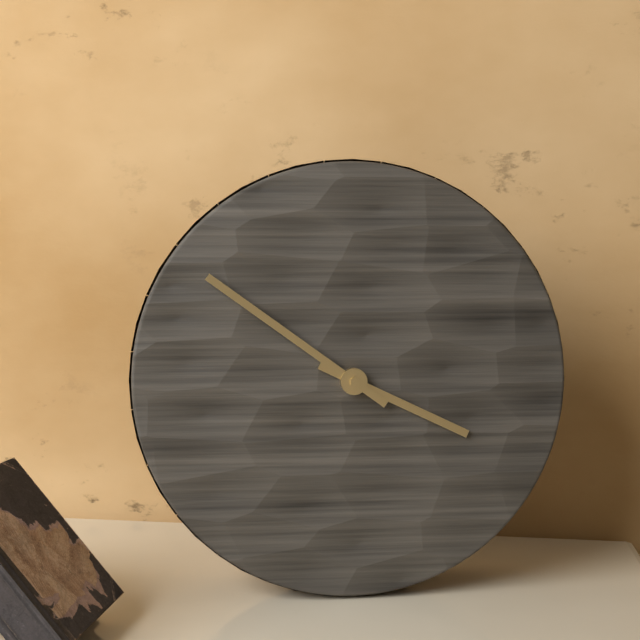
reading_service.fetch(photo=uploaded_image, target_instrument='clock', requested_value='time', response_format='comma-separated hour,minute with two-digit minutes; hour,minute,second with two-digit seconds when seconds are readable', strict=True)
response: 3,51
